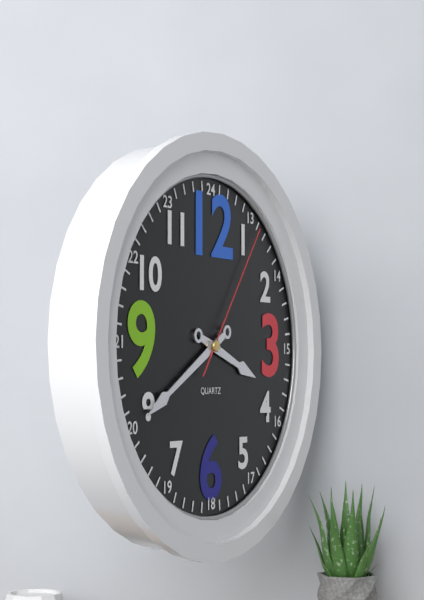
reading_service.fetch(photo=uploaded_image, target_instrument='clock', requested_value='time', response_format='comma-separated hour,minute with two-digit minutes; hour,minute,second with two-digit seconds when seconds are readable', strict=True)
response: 3,40,06
